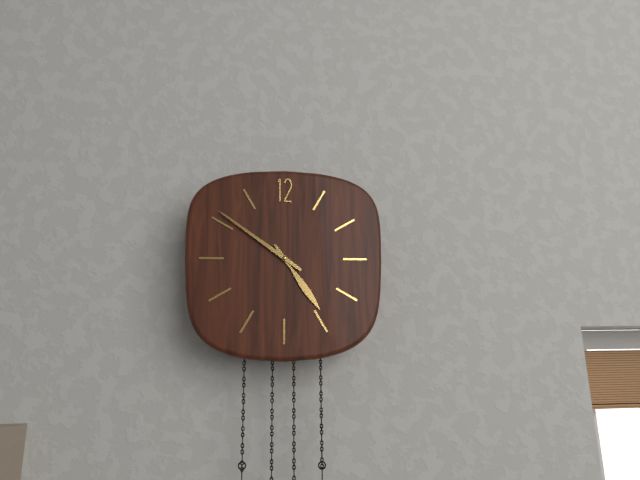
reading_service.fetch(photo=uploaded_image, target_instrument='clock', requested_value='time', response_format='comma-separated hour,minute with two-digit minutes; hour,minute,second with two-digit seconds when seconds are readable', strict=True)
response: 4,51
